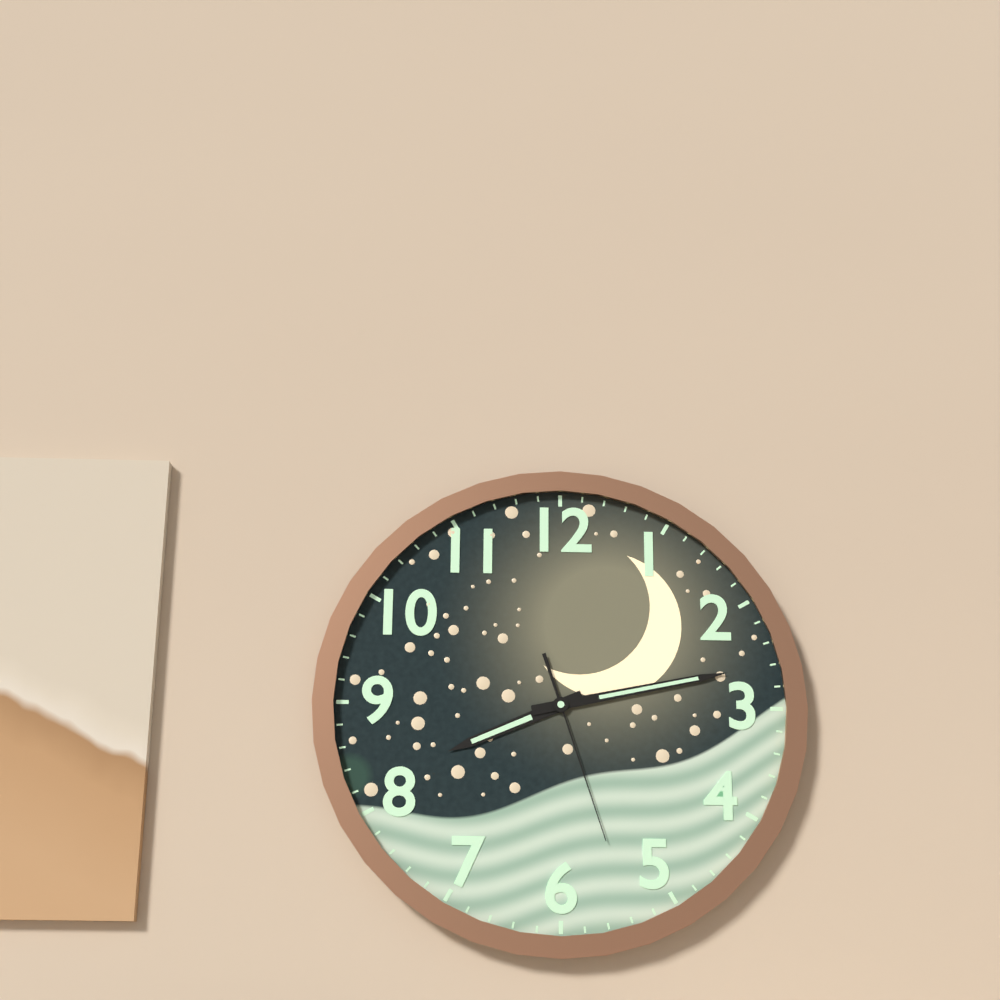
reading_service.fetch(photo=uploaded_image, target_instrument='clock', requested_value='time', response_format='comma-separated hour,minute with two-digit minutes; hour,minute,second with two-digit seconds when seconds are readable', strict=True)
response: 8,13,27
